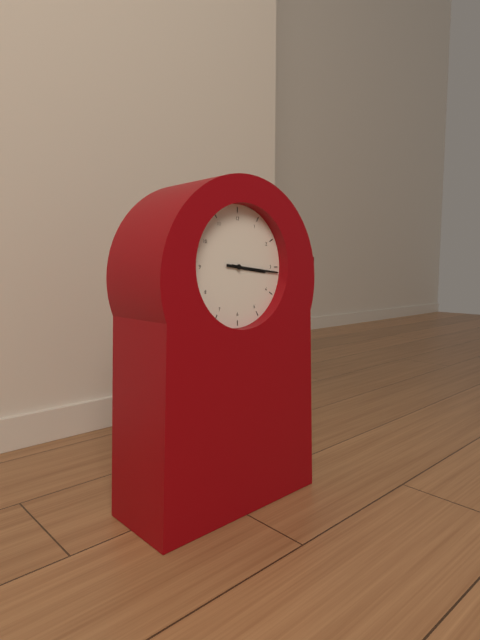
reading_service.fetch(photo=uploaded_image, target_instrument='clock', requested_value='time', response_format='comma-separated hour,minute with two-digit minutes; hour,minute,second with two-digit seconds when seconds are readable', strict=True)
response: 3,16
